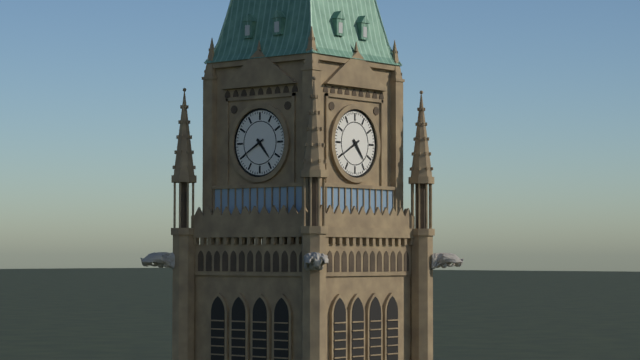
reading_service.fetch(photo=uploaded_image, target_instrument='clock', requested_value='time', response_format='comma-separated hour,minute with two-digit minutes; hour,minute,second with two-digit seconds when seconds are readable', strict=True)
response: 4,40
